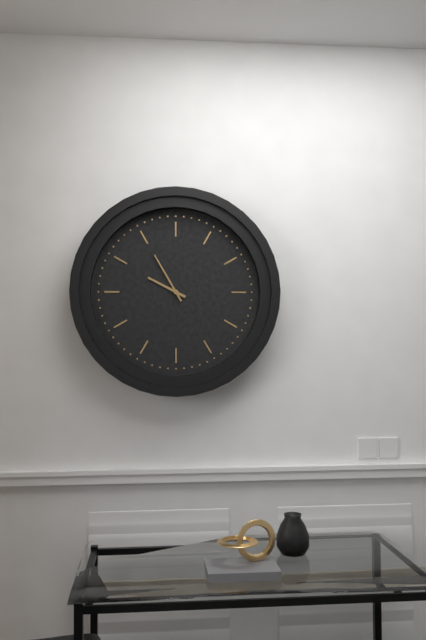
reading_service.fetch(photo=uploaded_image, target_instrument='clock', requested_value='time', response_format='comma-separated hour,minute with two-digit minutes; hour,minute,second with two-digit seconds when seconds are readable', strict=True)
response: 9,55
